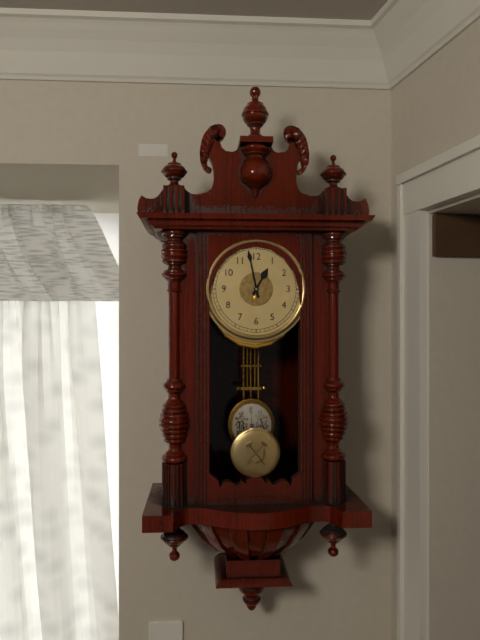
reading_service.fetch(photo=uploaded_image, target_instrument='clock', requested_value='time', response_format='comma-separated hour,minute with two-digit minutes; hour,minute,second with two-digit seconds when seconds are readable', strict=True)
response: 12,58
